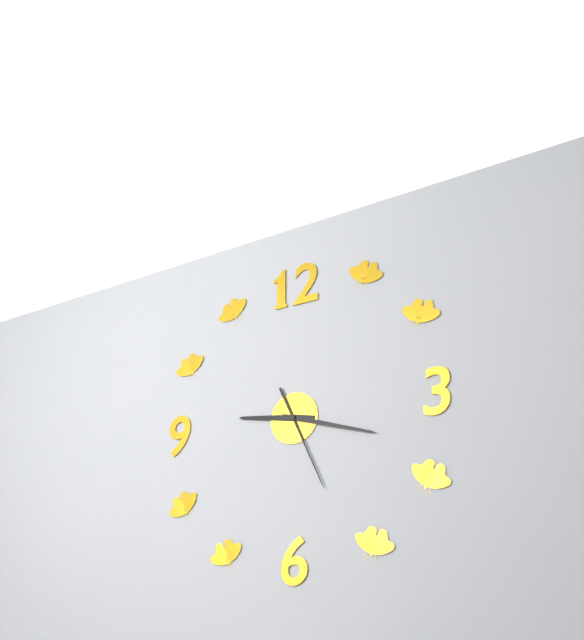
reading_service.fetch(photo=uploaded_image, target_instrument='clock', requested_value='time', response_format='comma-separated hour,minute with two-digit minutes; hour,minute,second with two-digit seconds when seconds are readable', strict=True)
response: 9,18,26
